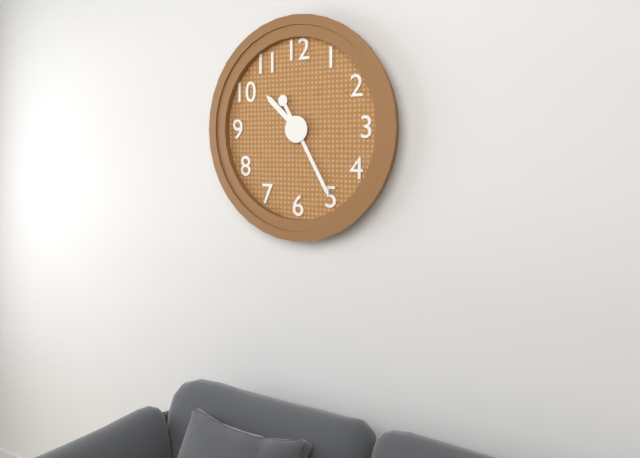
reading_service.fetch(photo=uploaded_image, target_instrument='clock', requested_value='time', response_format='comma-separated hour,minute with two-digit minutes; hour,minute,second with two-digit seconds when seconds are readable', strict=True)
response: 10,25
